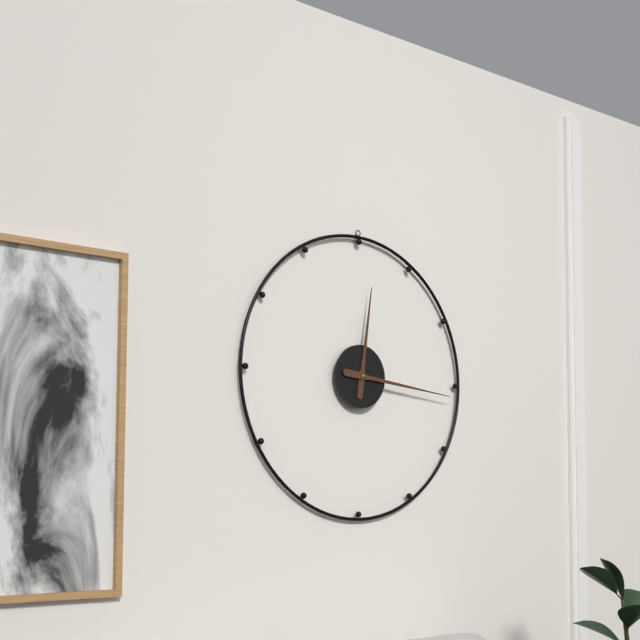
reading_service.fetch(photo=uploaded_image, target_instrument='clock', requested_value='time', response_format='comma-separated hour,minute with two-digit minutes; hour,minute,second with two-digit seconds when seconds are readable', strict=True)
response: 12,16
